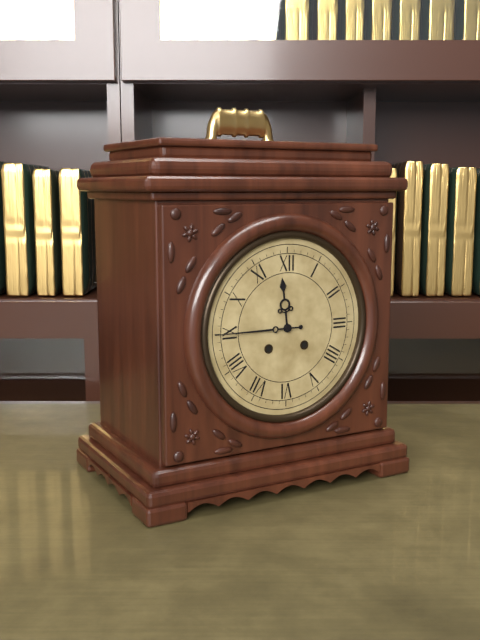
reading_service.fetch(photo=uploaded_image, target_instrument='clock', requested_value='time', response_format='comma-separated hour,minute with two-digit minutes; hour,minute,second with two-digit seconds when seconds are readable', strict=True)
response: 11,45
